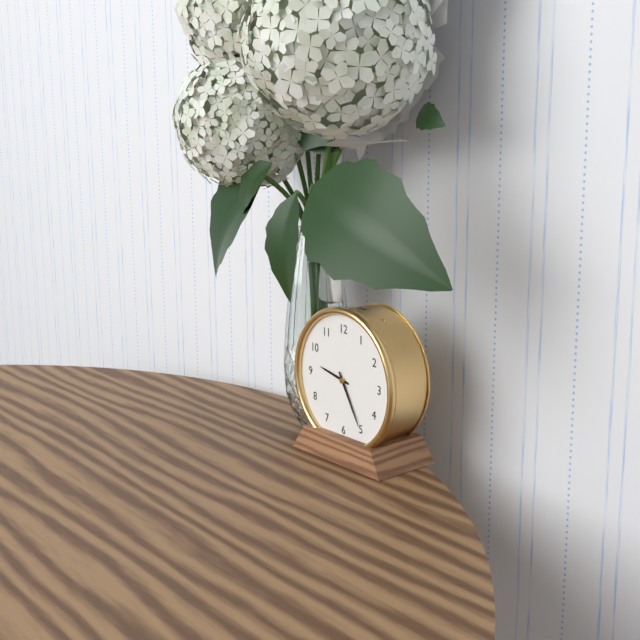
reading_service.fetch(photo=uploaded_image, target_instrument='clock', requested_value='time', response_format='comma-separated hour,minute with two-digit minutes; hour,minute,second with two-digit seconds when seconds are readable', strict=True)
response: 9,25
